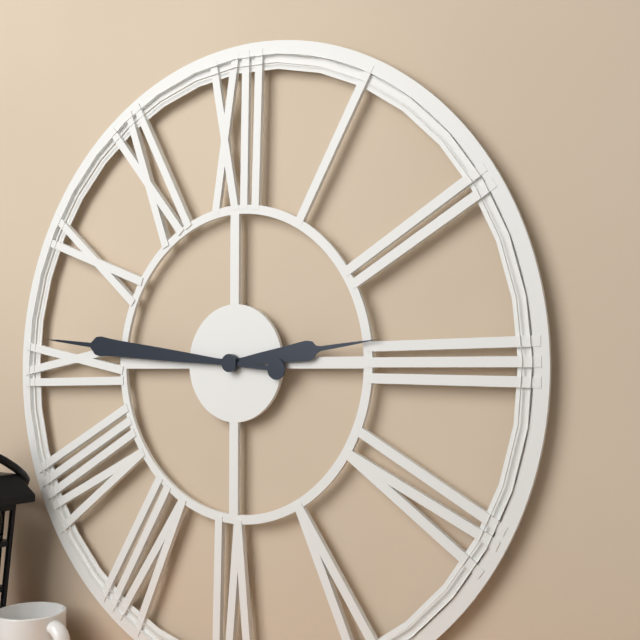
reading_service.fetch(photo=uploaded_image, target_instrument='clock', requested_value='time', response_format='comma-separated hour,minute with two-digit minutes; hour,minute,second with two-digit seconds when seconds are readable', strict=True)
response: 2,46
